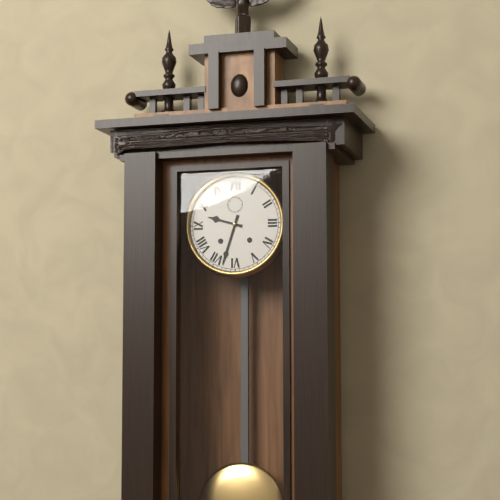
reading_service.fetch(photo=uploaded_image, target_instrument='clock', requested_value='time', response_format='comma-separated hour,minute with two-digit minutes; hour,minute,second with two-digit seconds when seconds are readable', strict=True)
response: 9,33
